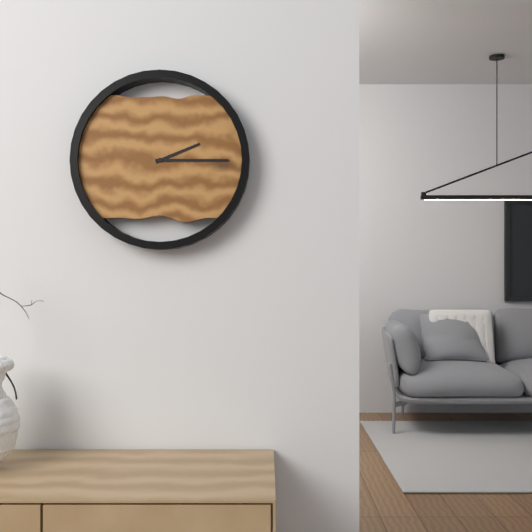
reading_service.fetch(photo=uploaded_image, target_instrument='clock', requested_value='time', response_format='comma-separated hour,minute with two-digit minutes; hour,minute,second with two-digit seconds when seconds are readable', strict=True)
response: 2,15
